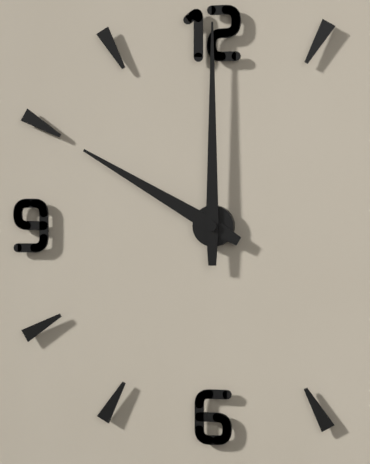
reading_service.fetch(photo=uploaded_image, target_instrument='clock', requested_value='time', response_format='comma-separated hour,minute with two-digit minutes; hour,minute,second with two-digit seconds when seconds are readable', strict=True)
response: 10,00
